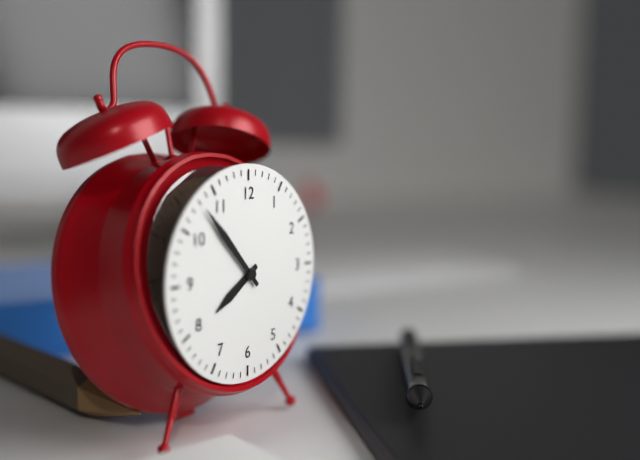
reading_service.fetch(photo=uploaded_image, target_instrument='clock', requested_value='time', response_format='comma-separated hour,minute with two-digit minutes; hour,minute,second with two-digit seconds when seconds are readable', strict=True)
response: 7,53
